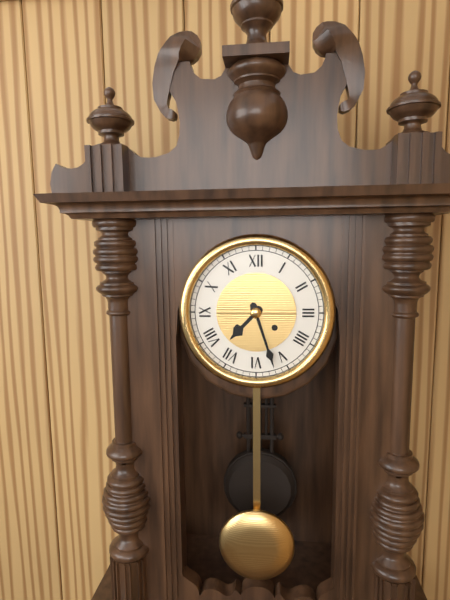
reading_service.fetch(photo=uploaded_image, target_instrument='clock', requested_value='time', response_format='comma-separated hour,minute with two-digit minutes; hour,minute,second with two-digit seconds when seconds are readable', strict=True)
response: 7,27
